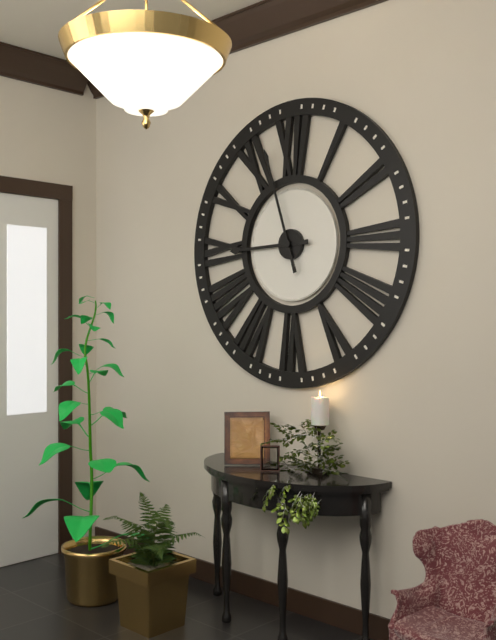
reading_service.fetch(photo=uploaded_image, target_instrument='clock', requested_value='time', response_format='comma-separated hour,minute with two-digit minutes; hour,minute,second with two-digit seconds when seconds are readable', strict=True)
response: 8,57
